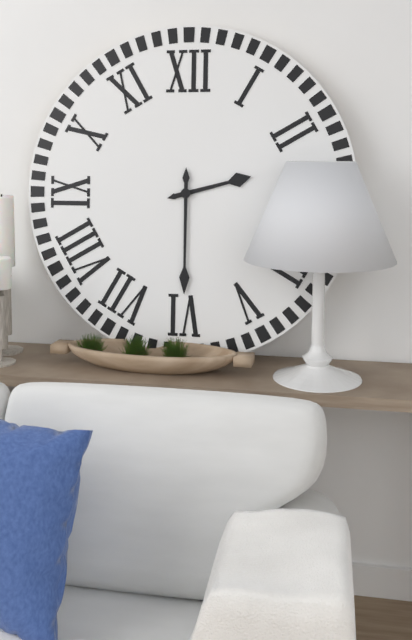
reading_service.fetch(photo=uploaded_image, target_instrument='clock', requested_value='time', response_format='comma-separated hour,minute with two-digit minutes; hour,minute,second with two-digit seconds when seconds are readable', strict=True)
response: 2,30
